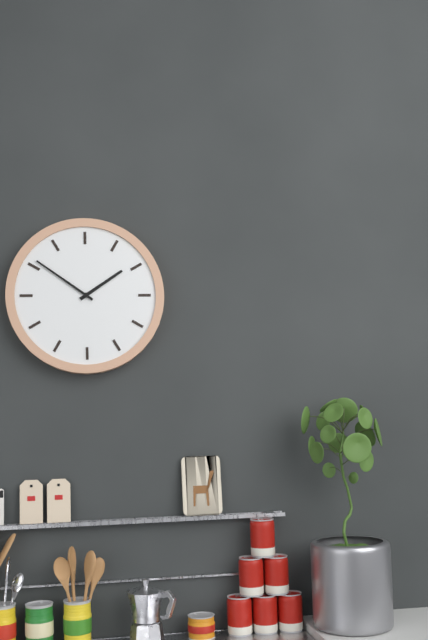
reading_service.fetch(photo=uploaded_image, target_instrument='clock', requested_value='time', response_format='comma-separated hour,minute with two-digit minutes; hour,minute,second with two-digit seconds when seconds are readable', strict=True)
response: 1,51
